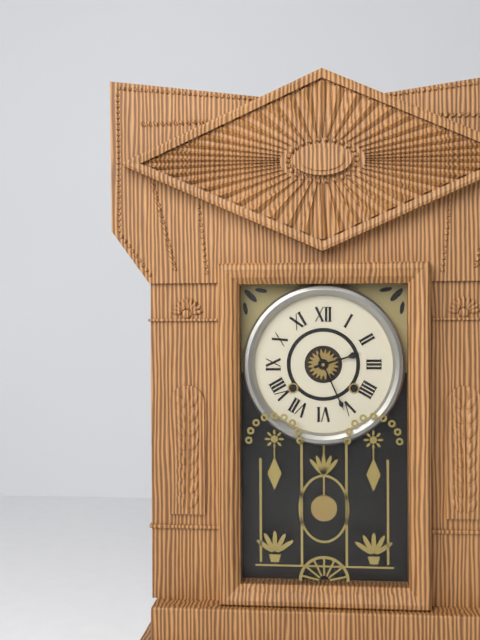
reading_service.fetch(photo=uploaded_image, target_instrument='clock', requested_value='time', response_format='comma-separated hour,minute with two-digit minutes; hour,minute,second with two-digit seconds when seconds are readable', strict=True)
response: 2,26
